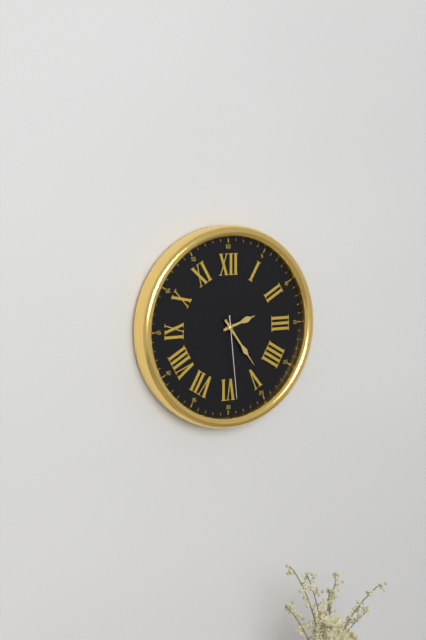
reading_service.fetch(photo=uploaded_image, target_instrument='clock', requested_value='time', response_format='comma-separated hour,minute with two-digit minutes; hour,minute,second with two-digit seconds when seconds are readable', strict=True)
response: 2,24,29
